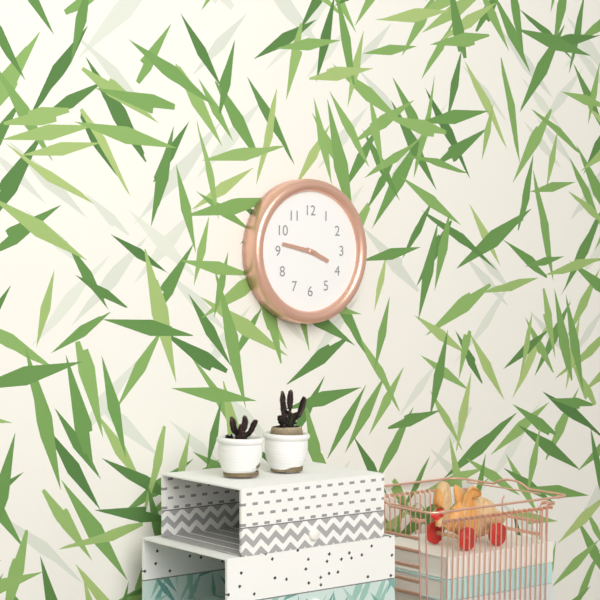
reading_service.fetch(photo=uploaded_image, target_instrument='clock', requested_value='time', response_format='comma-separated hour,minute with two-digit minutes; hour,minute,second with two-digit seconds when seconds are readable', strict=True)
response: 3,47
